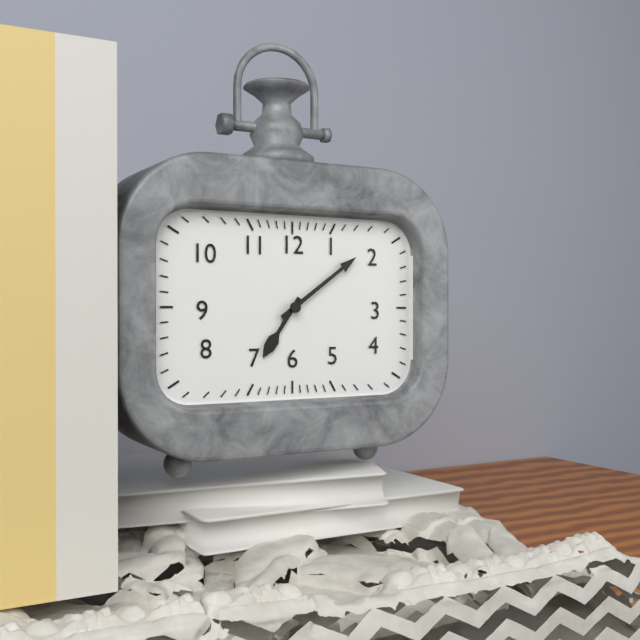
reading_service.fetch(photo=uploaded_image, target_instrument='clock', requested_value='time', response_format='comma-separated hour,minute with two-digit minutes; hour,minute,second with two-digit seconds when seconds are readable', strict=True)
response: 7,09
